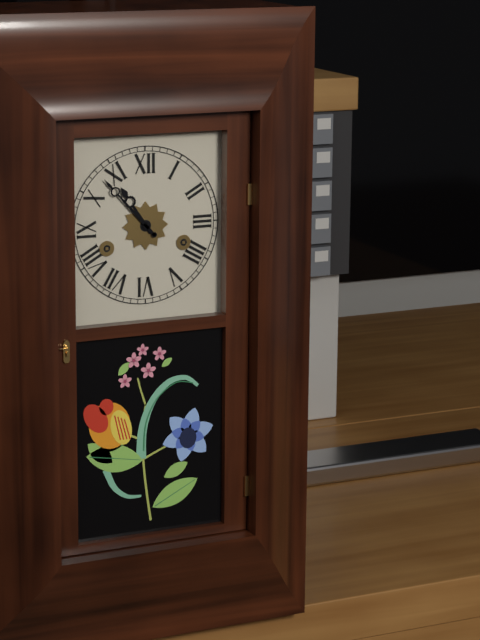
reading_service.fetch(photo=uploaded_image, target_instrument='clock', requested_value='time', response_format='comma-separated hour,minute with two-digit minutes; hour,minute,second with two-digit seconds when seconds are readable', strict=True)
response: 10,53
